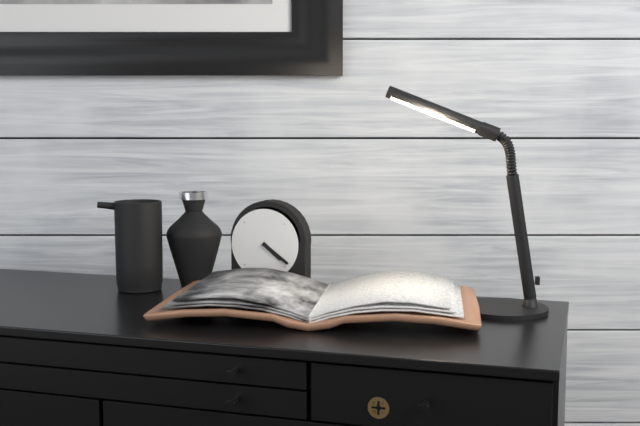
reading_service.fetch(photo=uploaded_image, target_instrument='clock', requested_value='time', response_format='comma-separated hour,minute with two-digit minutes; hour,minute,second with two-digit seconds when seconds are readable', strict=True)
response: 4,21
